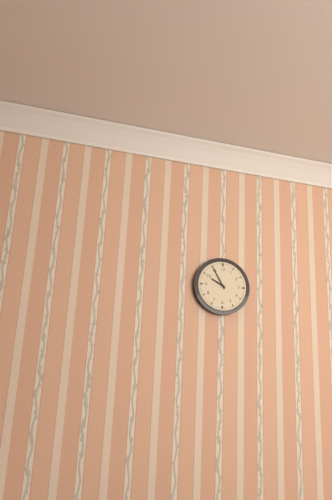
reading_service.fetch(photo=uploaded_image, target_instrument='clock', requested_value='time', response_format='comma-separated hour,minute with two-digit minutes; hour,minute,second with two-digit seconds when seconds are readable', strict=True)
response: 9,55
